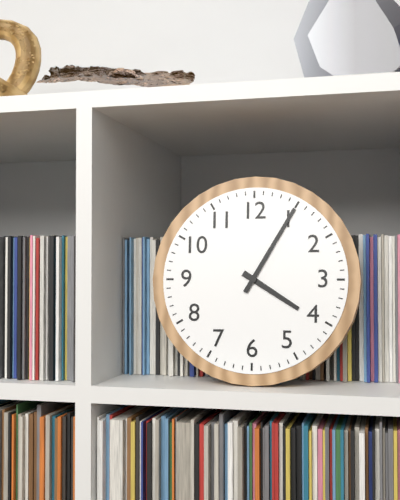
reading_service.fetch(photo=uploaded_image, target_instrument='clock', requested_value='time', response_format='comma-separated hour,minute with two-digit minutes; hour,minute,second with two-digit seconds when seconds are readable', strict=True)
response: 4,05
